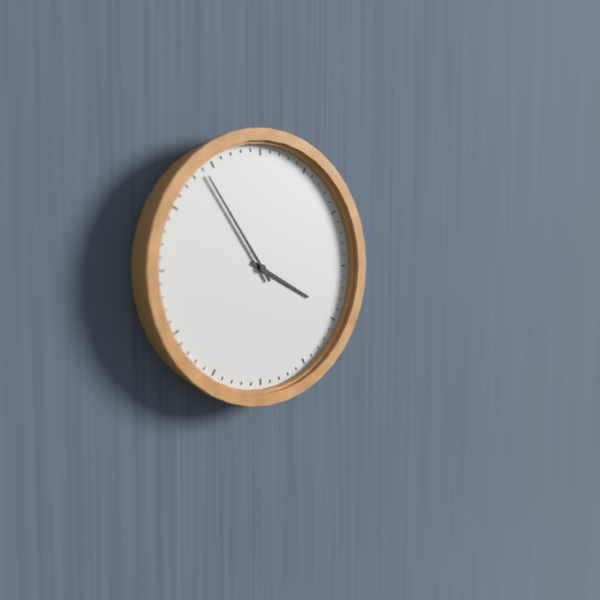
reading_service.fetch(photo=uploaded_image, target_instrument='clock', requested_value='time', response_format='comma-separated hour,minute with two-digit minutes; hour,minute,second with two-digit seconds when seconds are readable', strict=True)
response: 3,54
